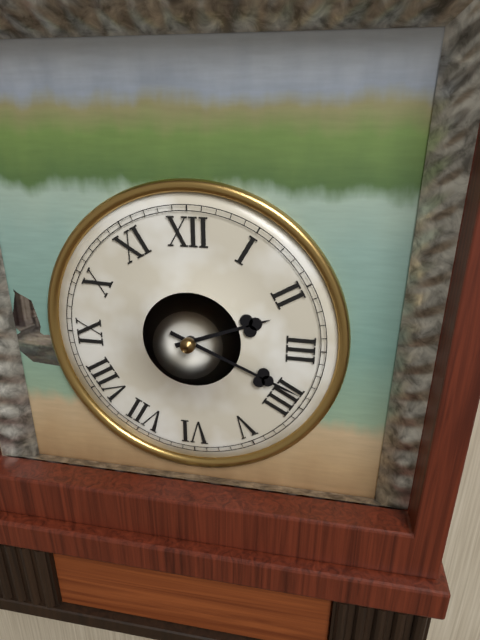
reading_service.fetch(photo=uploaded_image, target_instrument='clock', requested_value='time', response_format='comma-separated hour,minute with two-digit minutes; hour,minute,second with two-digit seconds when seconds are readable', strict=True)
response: 2,19
